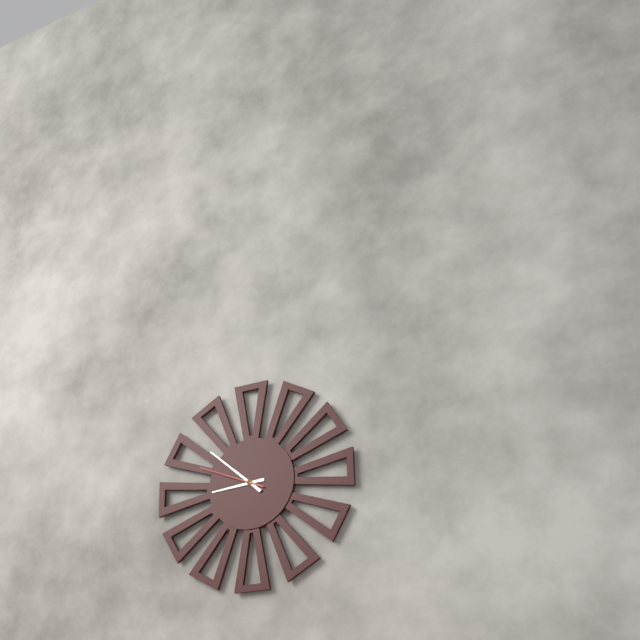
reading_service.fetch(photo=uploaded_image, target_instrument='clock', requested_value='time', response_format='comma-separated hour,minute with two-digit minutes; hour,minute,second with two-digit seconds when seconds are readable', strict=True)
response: 8,52,49
